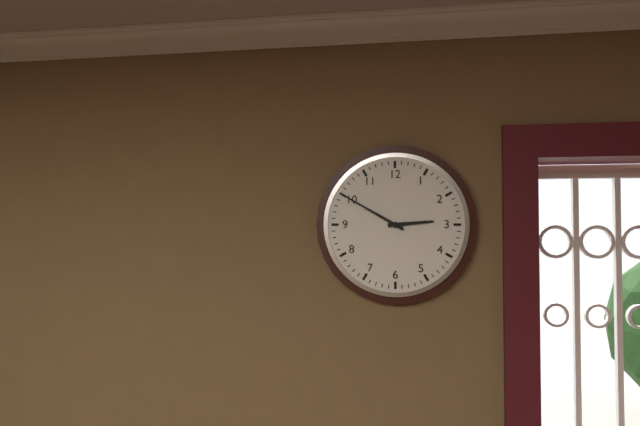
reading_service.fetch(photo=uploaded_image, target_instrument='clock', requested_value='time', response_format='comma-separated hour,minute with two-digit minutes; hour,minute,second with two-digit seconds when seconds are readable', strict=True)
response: 2,50
